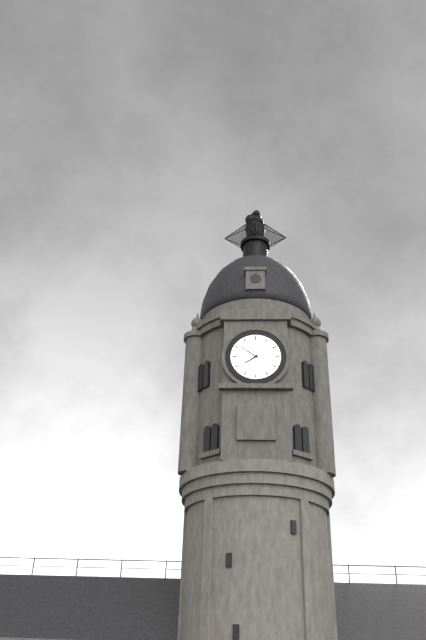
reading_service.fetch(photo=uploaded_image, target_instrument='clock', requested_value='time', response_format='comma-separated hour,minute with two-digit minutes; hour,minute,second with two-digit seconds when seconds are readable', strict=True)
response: 7,51
